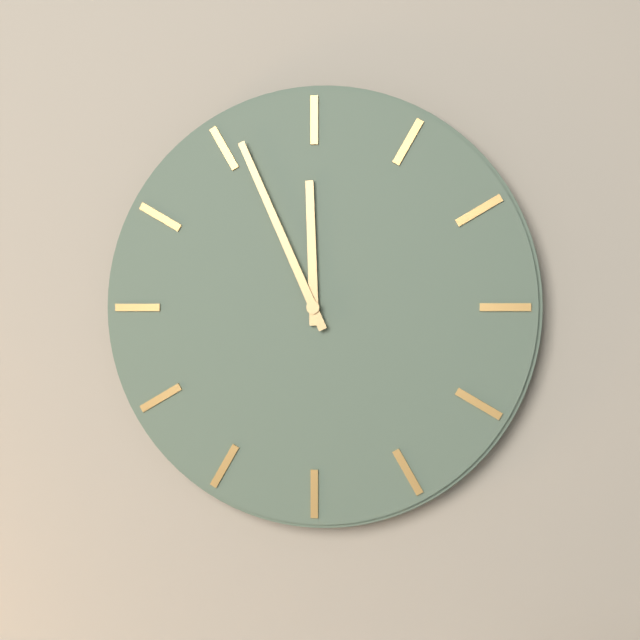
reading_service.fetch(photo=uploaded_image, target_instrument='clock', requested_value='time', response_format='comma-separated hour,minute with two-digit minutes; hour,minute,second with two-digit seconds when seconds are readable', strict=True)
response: 11,56
